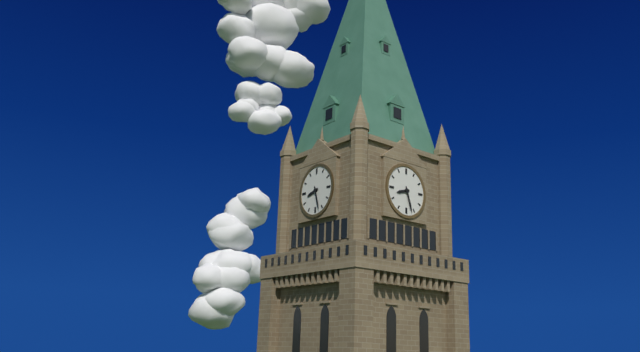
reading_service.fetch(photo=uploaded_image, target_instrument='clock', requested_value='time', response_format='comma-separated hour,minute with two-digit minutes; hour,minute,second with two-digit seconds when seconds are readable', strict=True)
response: 8,27
